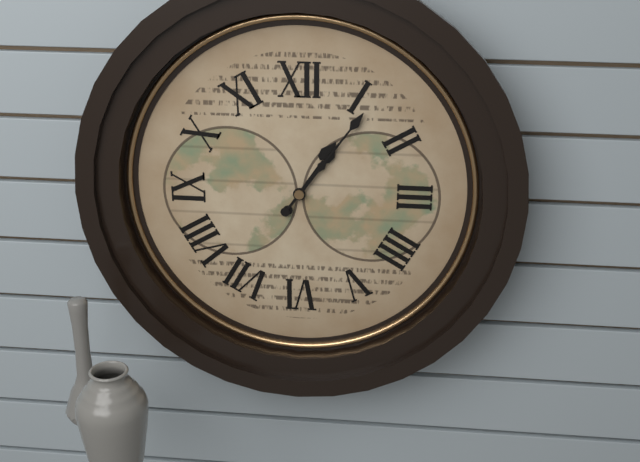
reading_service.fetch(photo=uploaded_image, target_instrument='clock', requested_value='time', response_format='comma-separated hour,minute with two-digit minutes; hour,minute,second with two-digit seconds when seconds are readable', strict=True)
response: 1,06
